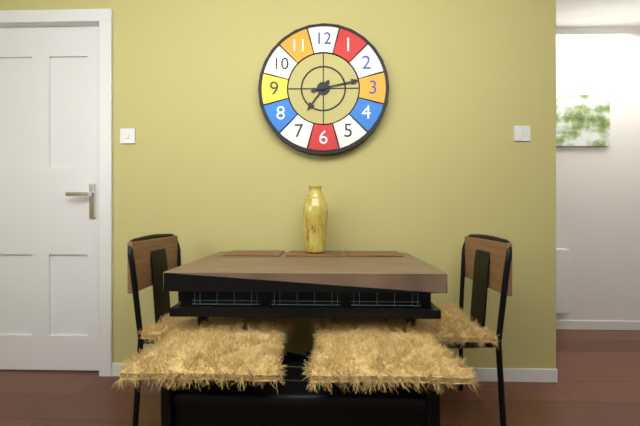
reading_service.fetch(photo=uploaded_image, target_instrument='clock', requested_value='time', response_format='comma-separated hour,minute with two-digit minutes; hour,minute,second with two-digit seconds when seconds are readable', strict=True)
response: 7,13
